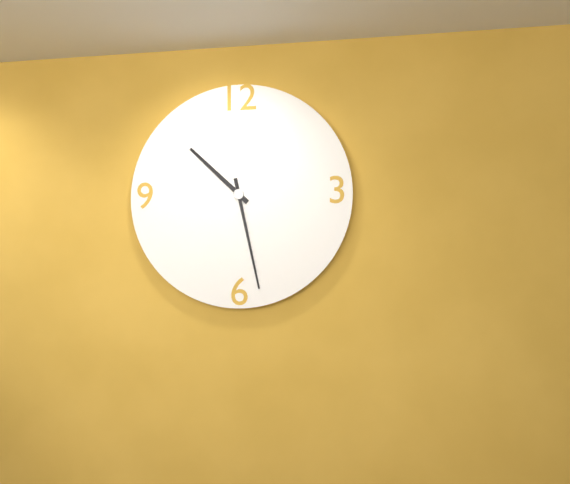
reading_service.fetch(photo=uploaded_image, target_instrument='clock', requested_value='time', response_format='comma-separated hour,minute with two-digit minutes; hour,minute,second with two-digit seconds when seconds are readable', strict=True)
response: 10,28
